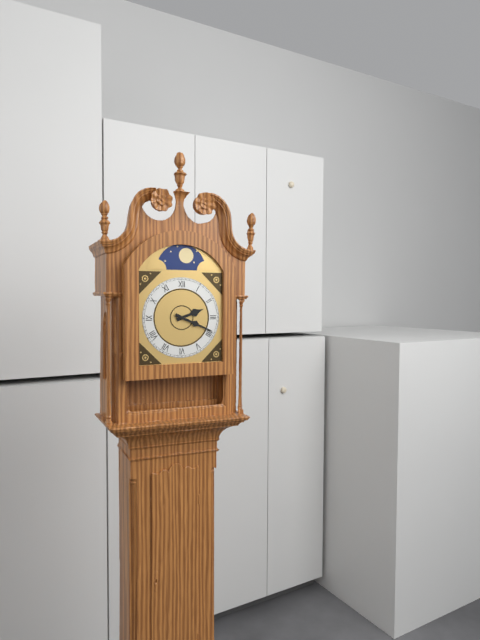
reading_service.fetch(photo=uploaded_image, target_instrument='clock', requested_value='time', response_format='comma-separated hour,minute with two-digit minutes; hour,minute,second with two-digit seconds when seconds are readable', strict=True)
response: 2,19
